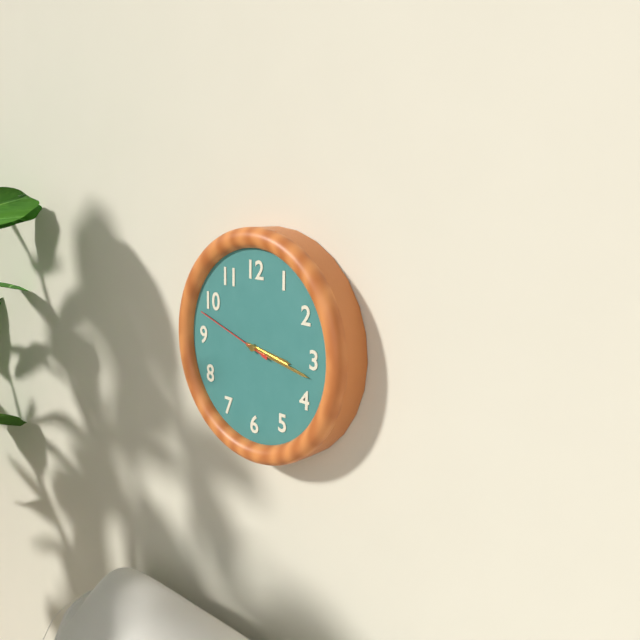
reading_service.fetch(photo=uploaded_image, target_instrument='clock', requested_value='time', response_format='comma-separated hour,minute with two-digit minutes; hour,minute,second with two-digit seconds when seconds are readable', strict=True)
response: 3,17,48
